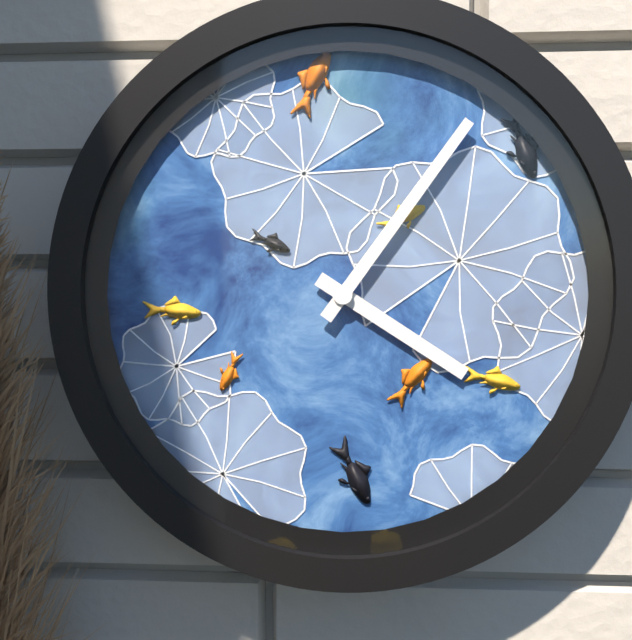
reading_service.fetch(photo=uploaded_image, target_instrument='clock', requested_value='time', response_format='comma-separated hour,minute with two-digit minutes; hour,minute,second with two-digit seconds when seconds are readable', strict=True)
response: 4,06
